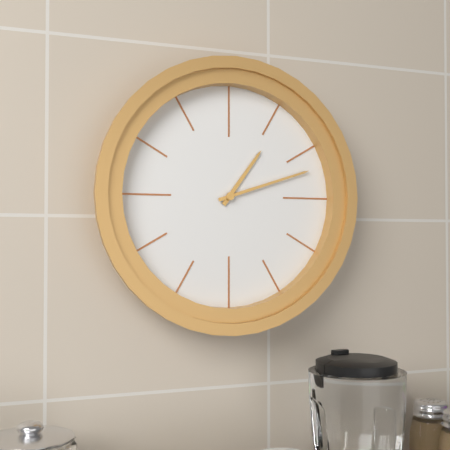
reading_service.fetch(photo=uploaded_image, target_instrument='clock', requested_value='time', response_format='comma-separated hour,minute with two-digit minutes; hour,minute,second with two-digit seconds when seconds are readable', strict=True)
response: 1,12
